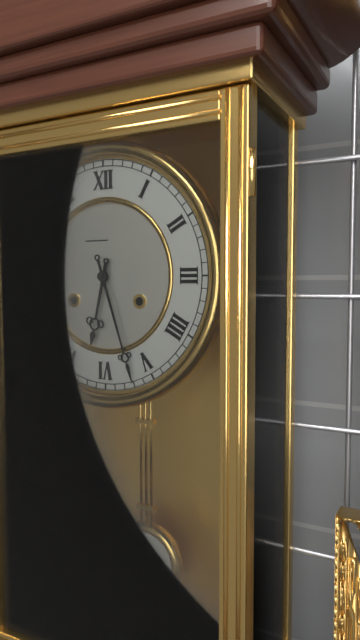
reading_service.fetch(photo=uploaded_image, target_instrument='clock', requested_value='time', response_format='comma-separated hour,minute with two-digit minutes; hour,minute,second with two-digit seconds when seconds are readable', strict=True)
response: 6,27
